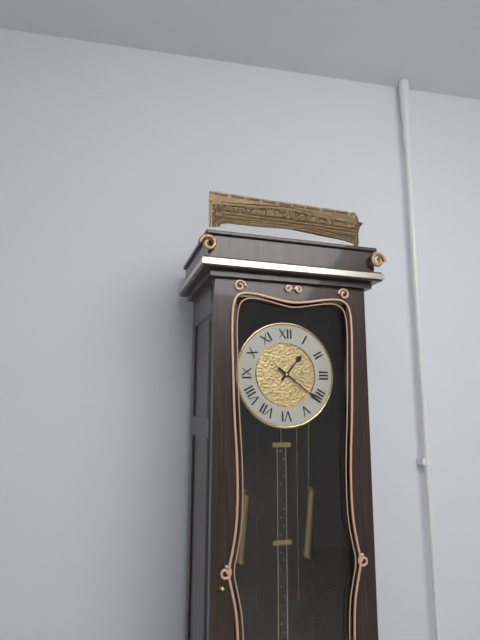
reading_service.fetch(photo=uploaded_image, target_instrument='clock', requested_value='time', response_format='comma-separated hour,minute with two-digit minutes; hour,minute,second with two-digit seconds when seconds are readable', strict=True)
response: 1,21
